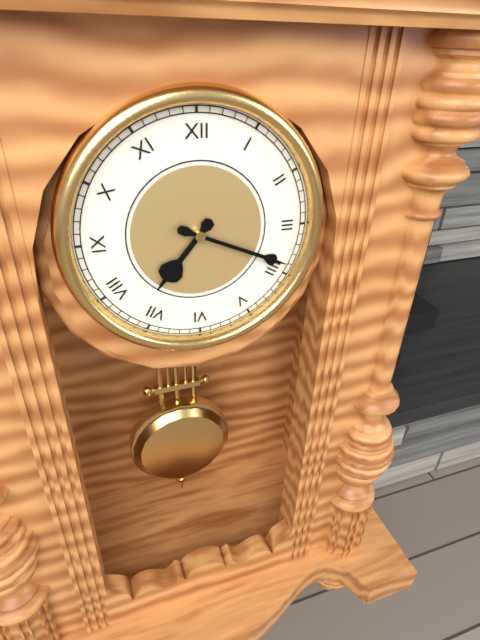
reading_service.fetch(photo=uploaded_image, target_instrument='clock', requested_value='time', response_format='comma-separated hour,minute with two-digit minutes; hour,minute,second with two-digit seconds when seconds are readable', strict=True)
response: 7,19
